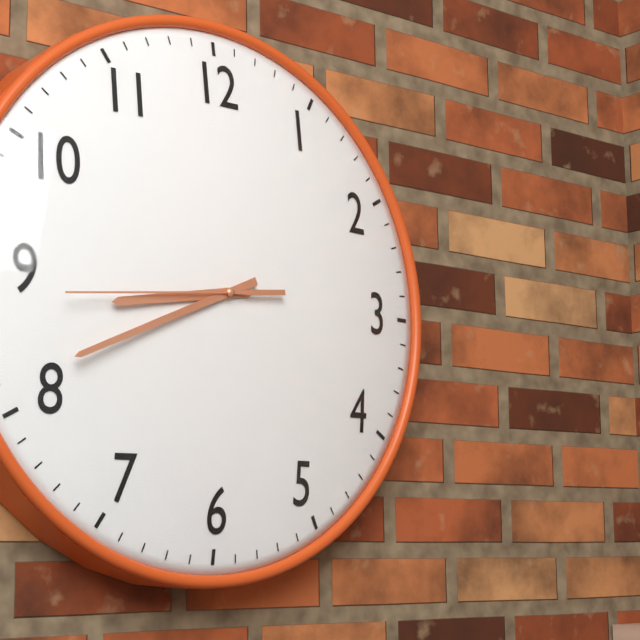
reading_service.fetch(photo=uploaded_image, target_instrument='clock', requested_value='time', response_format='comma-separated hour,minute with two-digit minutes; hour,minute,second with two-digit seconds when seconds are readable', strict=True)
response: 8,41,44
